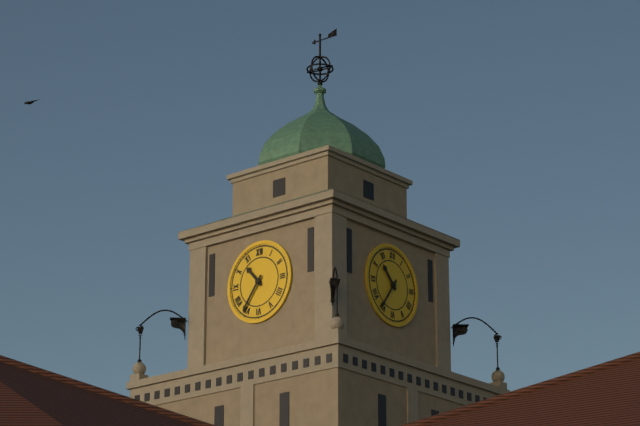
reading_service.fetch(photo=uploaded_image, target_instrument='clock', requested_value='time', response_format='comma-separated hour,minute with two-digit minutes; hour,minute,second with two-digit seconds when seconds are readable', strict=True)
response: 10,36
